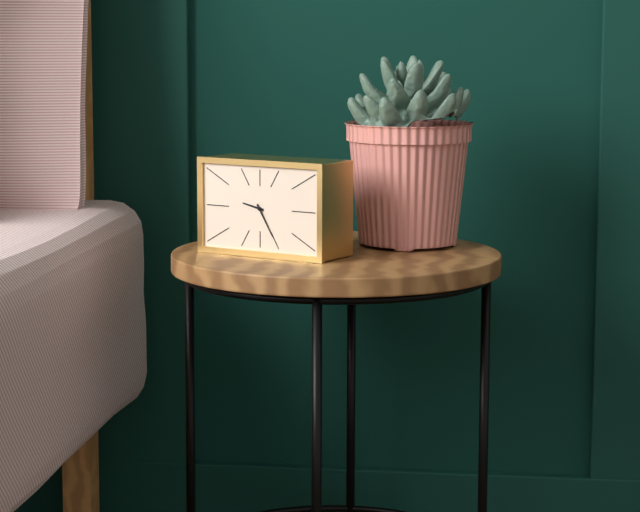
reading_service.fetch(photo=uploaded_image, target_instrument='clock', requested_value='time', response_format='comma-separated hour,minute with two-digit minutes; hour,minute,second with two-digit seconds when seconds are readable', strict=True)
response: 9,25
